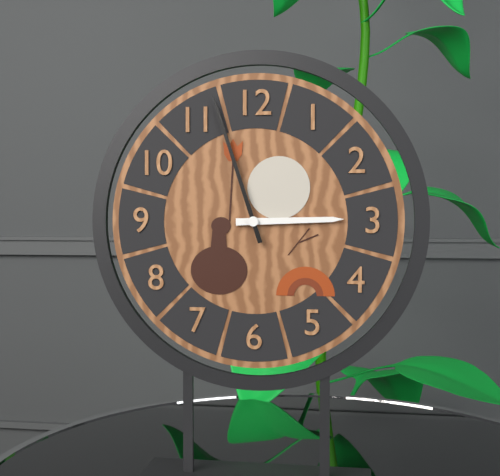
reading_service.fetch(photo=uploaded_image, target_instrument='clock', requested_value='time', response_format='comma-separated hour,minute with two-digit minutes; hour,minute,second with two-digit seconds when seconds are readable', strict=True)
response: 2,57
